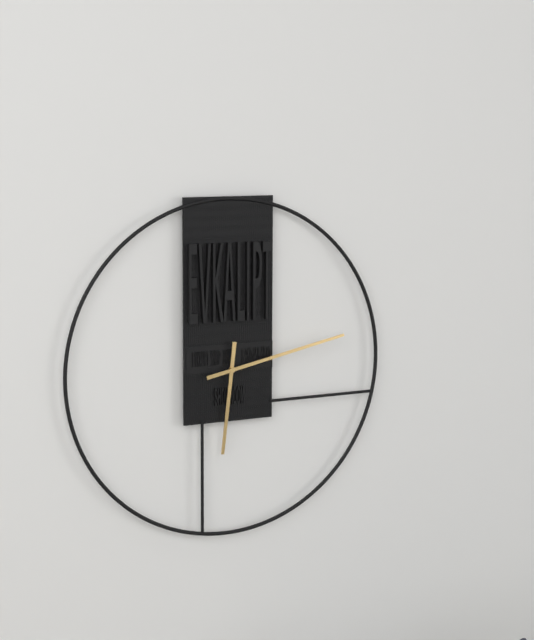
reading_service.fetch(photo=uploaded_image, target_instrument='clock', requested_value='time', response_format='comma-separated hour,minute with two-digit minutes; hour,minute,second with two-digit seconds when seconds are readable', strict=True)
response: 6,13
